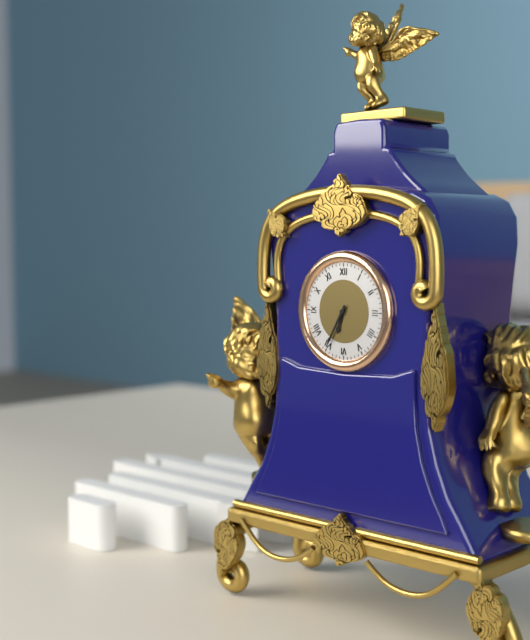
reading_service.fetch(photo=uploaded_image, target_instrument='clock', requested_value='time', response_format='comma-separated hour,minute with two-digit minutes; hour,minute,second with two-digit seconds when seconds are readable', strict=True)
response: 6,35
